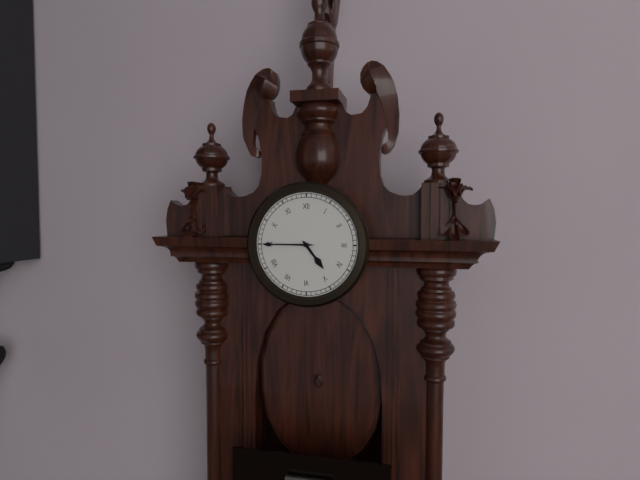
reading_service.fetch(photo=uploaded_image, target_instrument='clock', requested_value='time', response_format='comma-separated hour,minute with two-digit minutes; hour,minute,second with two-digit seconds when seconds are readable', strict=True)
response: 4,45
